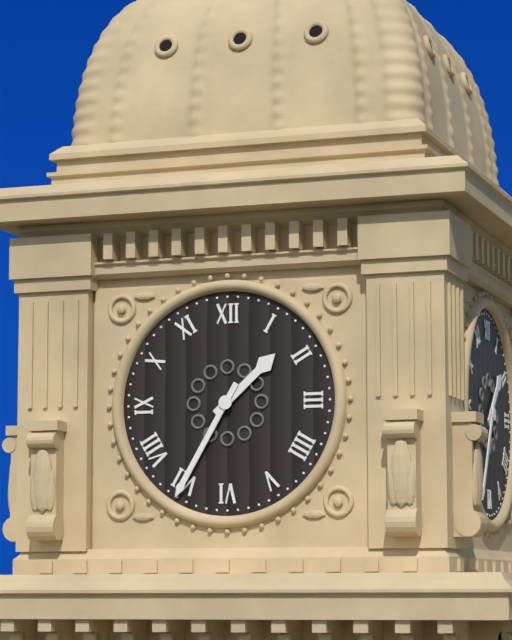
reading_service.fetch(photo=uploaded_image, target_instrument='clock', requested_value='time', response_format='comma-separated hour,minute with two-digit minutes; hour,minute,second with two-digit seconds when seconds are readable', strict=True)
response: 1,35
